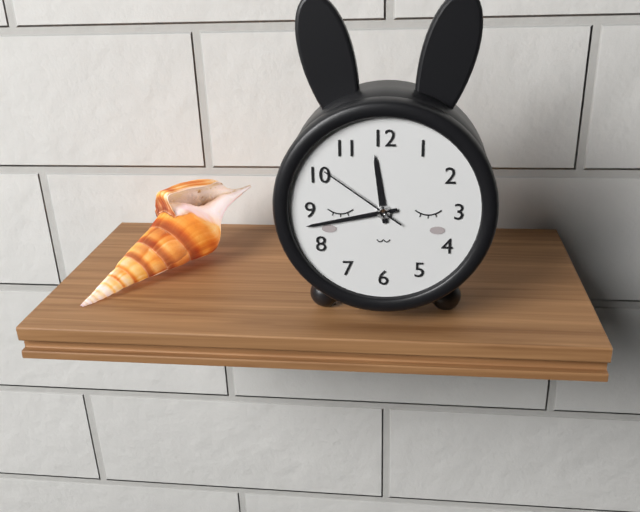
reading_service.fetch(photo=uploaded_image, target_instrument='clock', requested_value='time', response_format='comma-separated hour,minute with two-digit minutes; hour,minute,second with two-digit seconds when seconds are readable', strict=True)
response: 11,43,51
